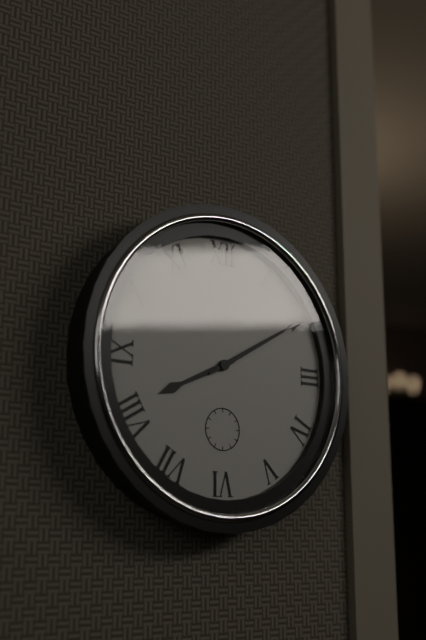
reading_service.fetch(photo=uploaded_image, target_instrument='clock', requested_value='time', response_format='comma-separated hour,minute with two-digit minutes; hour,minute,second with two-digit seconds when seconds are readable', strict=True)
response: 8,10
